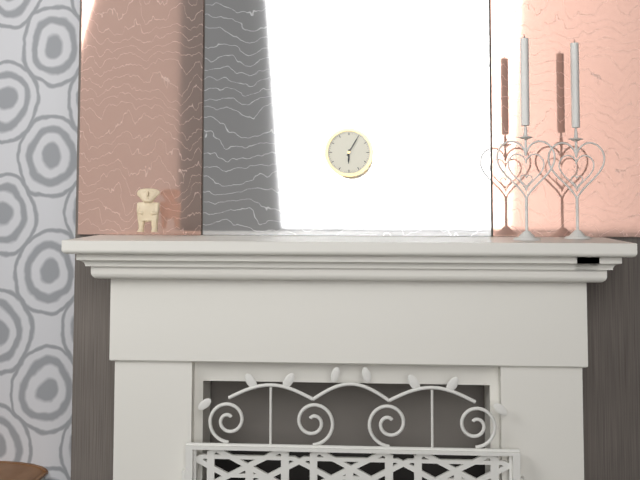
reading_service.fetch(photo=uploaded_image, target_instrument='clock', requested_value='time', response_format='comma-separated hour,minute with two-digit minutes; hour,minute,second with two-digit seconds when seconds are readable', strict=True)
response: 6,05
